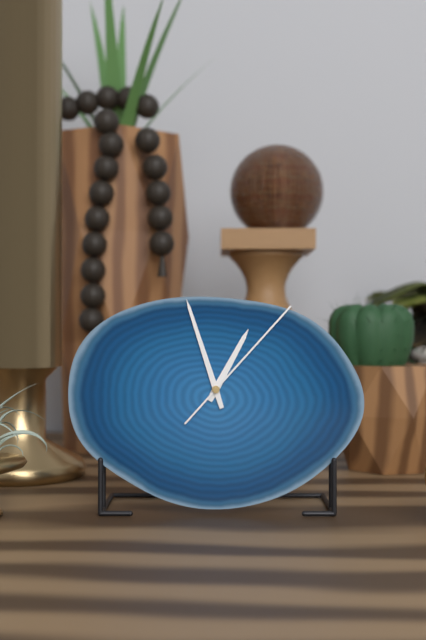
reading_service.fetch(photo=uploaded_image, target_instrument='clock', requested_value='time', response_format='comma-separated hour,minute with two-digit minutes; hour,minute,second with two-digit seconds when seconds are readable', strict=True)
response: 12,57,07
